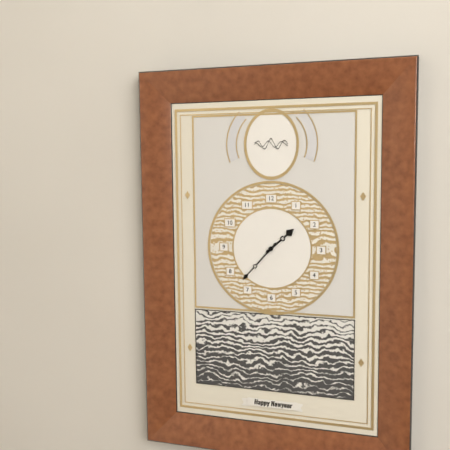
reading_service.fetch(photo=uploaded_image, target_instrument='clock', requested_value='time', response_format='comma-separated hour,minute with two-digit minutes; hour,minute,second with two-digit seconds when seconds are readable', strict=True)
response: 1,37
